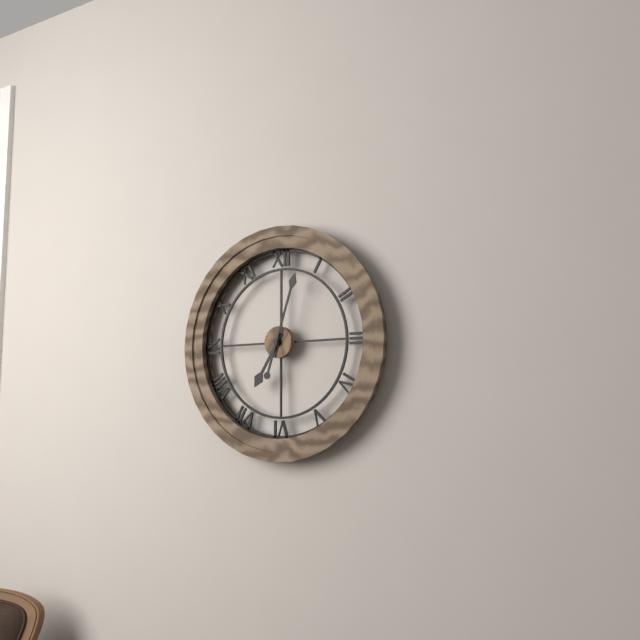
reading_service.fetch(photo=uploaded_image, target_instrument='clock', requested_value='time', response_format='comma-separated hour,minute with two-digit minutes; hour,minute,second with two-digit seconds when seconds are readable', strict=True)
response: 7,03
